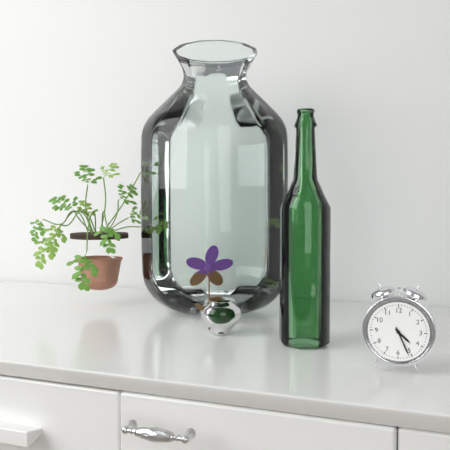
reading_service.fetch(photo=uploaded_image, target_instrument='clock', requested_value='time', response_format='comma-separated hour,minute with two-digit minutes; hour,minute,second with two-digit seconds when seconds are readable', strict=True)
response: 4,26
